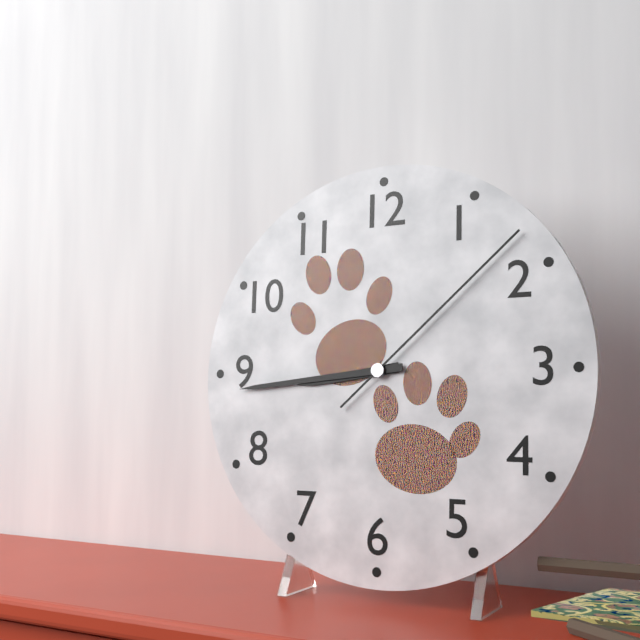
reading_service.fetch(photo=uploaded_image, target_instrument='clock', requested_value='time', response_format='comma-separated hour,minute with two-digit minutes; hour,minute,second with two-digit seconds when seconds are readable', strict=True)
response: 8,44,08
